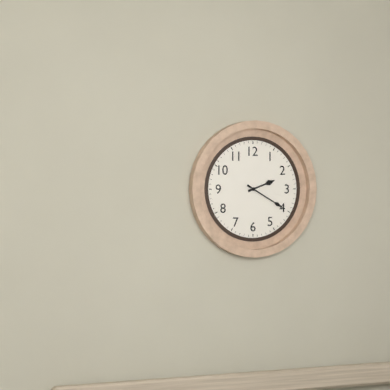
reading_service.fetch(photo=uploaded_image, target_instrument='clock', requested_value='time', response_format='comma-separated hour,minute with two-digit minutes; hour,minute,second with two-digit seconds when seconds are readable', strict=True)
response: 2,20
